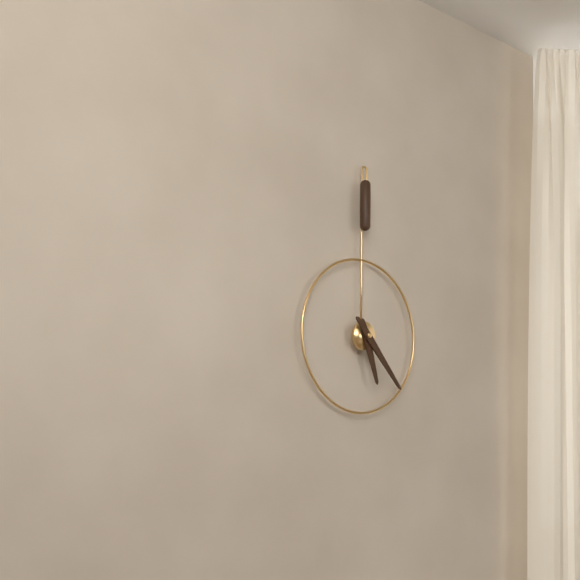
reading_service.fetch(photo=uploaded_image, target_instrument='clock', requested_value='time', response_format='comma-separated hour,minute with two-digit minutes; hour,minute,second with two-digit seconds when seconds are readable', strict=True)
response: 5,23
